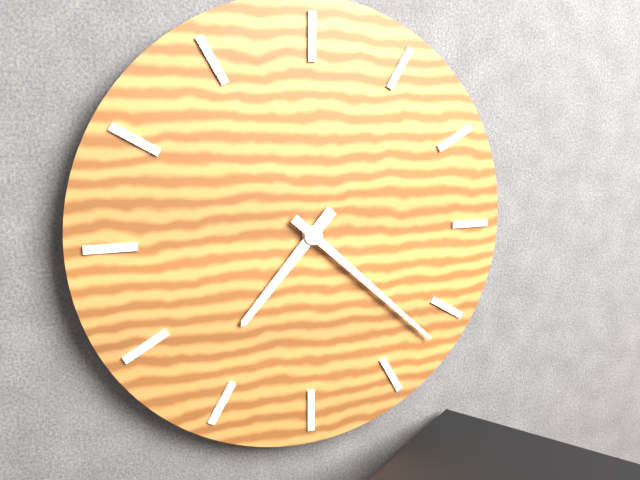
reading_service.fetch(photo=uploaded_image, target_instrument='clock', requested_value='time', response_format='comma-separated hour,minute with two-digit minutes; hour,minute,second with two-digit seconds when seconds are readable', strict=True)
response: 7,22
